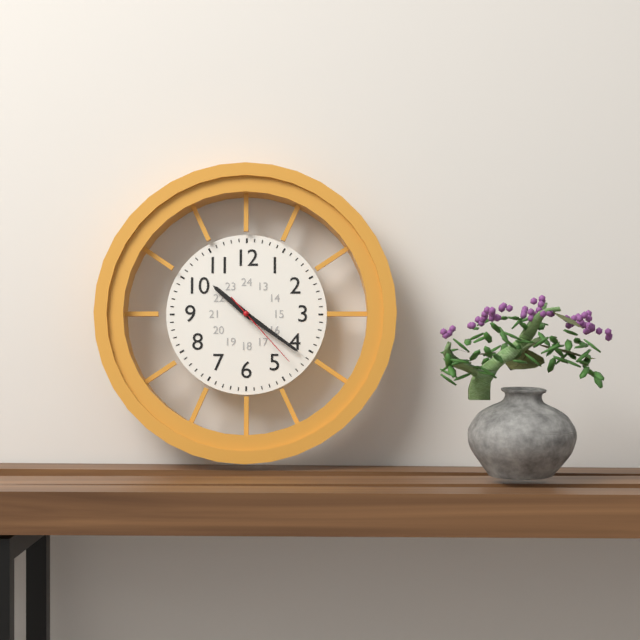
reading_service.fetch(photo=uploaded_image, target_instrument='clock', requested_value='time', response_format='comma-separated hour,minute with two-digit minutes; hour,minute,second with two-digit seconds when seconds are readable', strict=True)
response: 10,21,23
